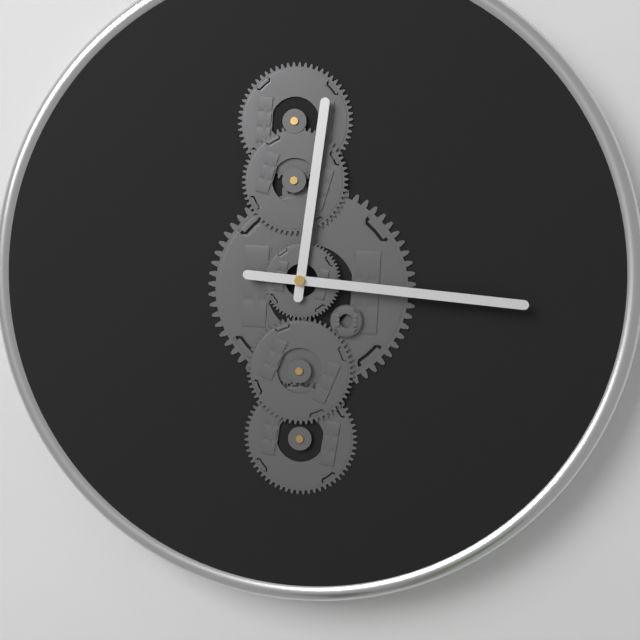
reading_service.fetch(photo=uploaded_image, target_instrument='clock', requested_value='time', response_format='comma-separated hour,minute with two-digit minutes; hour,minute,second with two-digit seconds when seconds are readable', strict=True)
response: 12,16
